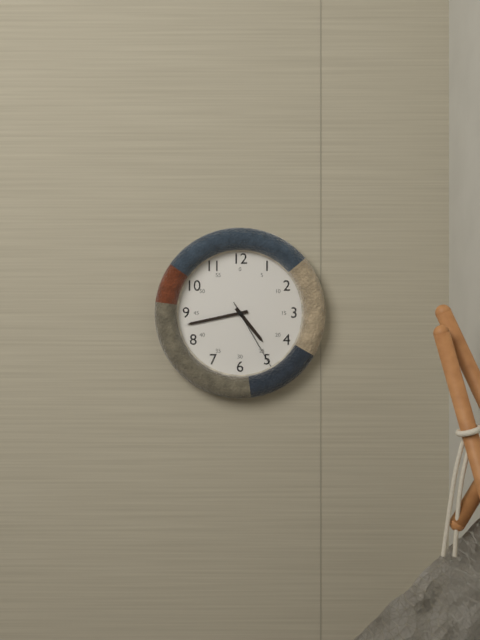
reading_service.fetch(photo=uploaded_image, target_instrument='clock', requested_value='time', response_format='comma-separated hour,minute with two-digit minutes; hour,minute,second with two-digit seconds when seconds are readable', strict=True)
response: 4,43,25
